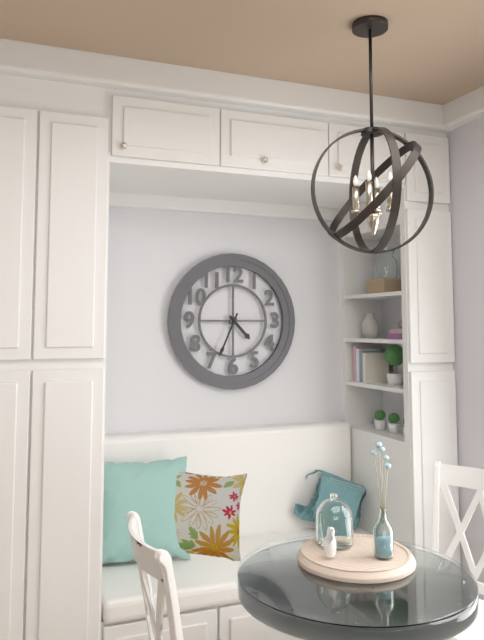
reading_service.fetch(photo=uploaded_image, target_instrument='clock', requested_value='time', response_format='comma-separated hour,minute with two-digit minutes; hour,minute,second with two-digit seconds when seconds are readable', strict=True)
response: 4,34
